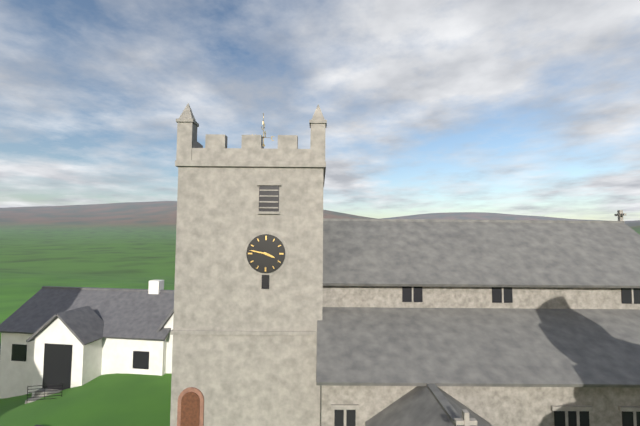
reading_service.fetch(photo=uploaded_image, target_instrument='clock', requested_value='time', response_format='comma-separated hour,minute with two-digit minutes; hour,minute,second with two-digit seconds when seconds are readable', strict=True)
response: 3,47
